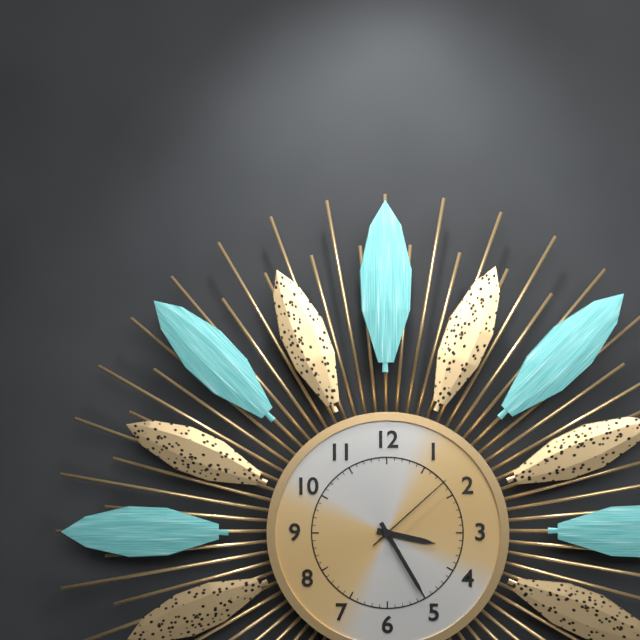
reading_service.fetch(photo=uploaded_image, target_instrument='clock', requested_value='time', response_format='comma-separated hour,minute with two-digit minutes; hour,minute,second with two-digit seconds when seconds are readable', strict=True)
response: 3,25,08
